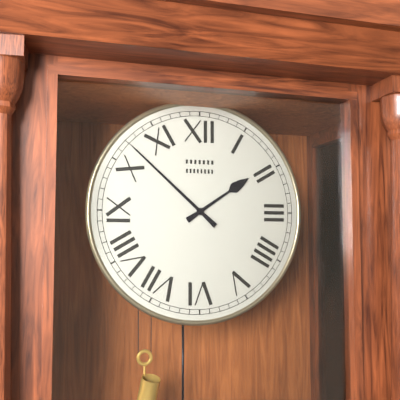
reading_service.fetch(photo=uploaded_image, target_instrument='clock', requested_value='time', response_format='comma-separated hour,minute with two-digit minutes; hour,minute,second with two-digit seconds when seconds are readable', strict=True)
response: 1,52
